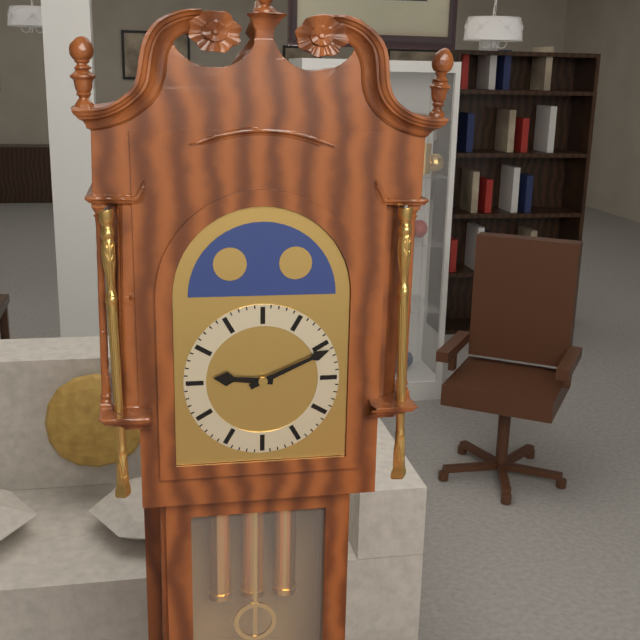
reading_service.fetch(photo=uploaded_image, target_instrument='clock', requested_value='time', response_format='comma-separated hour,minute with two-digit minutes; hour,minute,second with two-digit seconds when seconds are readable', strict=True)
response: 9,11
